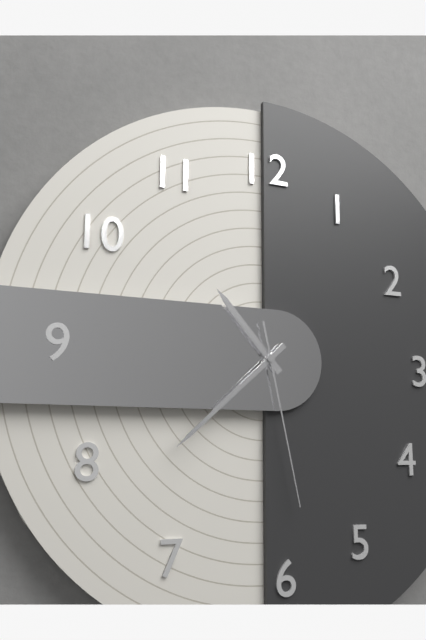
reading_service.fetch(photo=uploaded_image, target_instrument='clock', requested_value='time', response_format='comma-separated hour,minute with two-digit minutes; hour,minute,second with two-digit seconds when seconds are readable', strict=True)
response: 10,38,28
